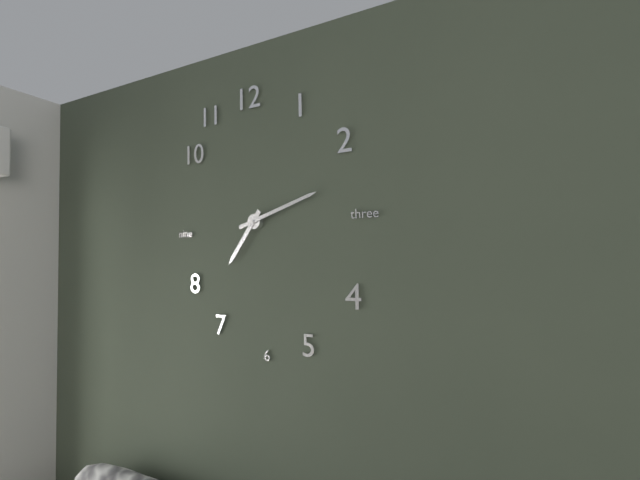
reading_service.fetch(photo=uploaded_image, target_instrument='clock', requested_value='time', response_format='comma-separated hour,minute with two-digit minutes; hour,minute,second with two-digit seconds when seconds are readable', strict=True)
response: 7,12
